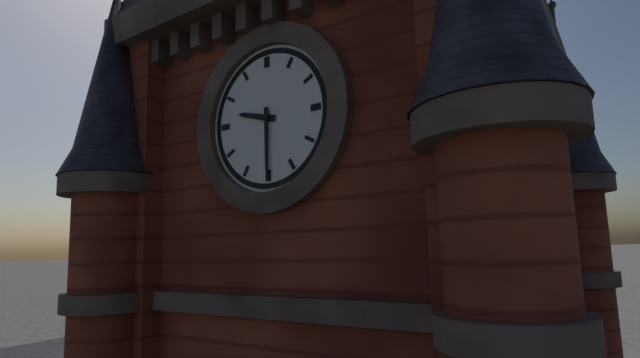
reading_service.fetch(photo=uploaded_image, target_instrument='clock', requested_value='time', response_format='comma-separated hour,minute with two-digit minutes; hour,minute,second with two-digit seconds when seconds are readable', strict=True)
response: 9,30
